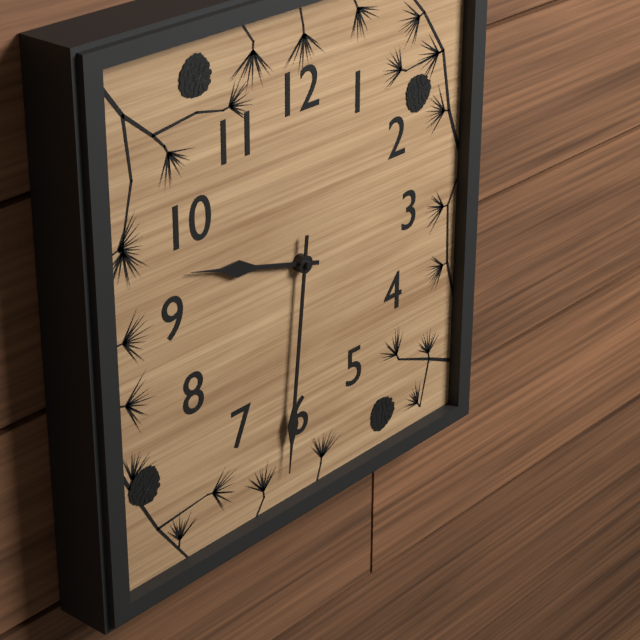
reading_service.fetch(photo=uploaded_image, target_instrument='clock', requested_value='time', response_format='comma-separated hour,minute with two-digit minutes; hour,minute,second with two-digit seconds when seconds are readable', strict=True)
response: 9,31
